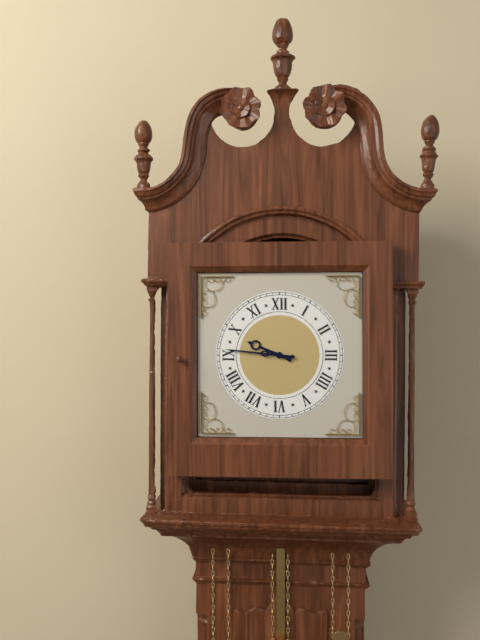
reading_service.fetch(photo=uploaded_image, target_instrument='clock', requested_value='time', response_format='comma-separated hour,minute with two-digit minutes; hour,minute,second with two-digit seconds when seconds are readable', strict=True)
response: 9,46
